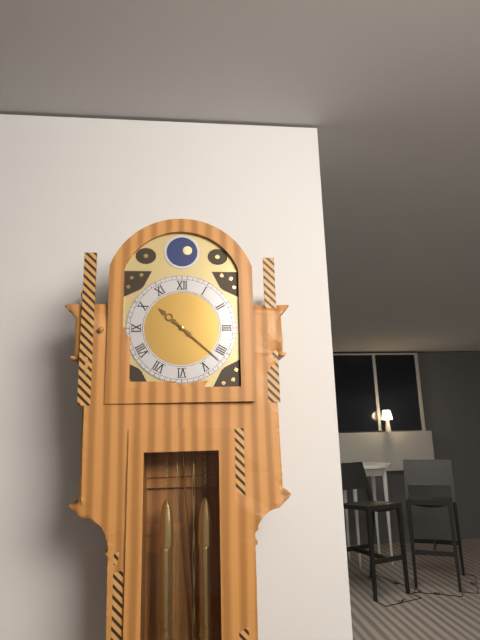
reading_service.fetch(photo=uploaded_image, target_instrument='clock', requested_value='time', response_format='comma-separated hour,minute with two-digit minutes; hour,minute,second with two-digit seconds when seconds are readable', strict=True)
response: 10,22
